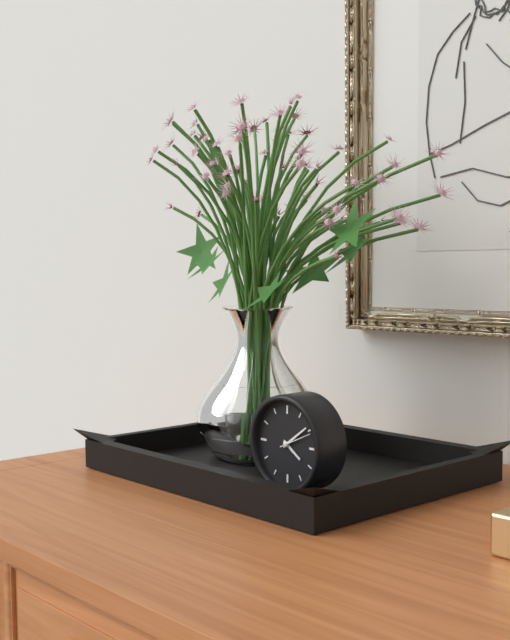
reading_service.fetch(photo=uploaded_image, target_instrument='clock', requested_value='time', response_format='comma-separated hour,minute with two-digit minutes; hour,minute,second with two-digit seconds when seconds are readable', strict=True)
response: 4,09
